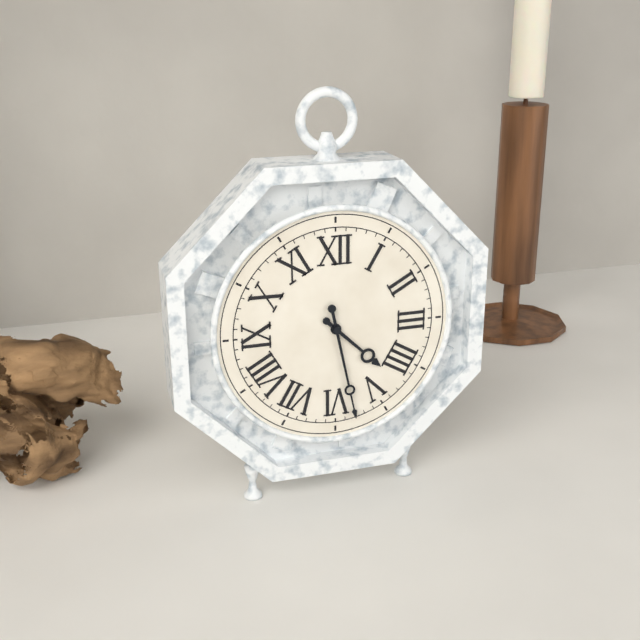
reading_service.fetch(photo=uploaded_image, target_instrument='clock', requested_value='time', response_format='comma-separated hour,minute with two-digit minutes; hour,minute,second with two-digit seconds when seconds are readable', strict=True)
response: 4,28
